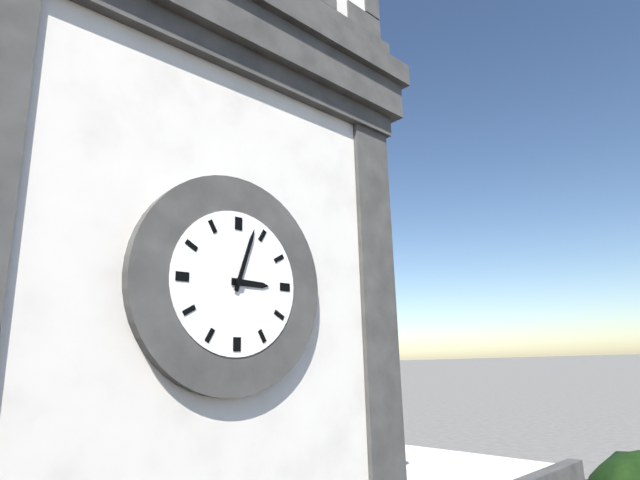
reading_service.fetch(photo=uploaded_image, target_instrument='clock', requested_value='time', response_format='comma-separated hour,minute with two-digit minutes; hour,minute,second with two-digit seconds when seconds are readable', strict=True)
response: 3,03
